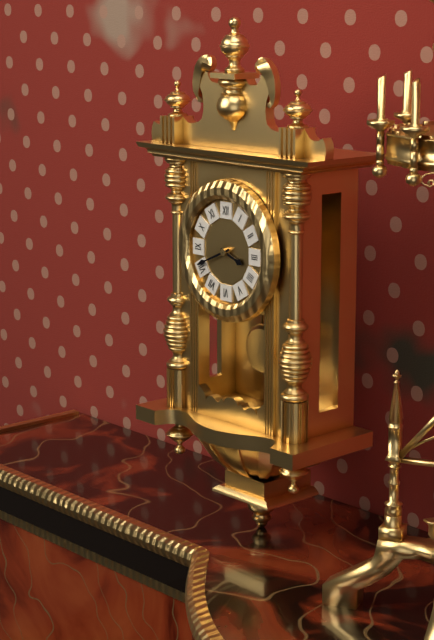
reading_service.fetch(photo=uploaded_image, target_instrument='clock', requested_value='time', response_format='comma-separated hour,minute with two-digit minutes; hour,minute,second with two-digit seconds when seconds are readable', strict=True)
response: 3,41
